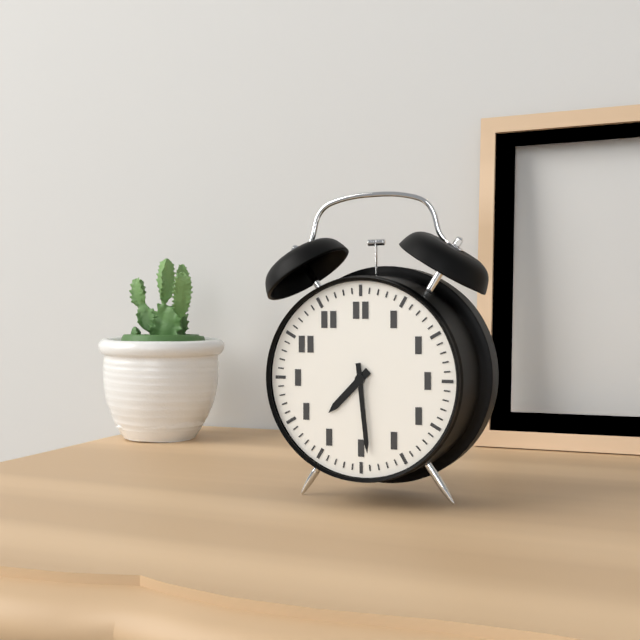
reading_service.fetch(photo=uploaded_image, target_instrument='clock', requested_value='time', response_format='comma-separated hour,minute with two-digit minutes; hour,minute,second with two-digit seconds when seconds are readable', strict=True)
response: 7,29
